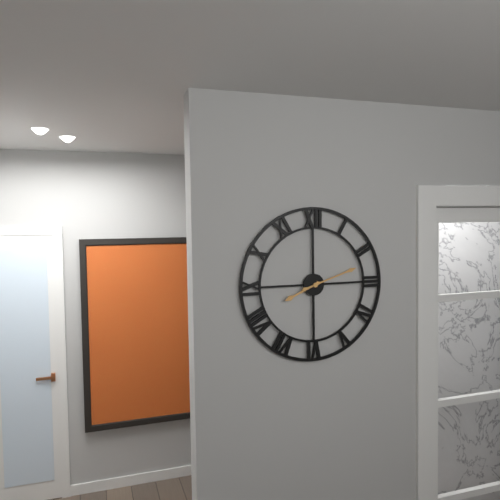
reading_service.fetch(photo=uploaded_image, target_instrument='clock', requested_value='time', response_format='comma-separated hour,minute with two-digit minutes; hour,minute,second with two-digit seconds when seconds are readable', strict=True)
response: 8,12
